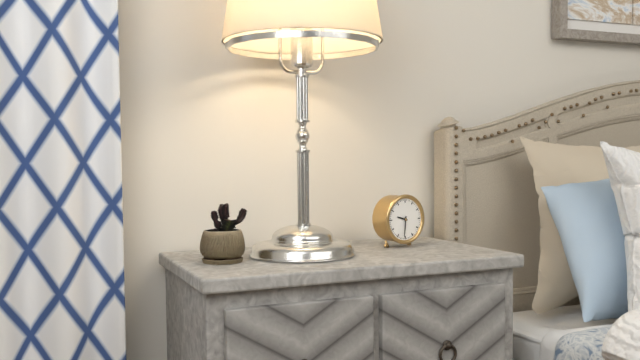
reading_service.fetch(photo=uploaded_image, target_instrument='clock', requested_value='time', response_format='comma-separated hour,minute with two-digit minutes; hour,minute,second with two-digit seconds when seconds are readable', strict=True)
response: 9,31
